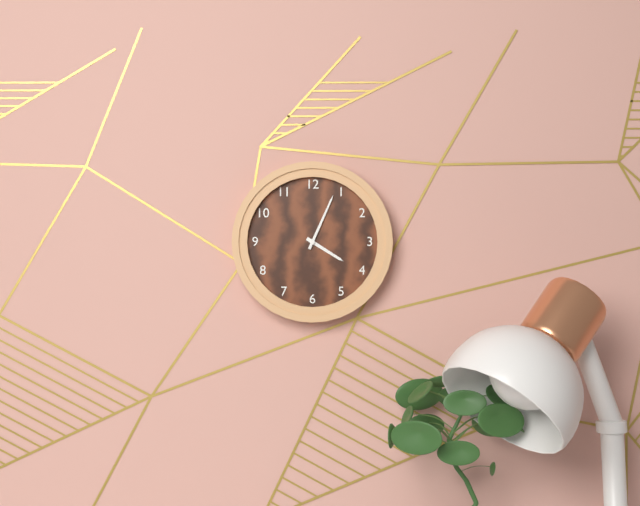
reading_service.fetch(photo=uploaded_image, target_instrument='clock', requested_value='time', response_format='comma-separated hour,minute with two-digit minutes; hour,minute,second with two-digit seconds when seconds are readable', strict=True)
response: 4,04
